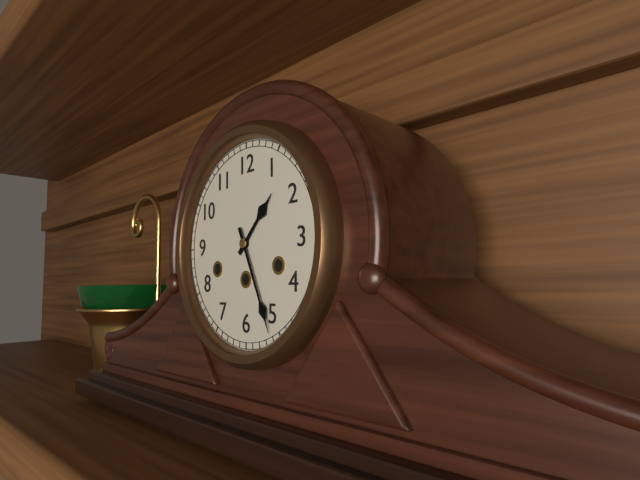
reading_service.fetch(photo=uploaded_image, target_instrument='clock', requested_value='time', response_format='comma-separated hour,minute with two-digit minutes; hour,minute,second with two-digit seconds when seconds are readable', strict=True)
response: 1,26
